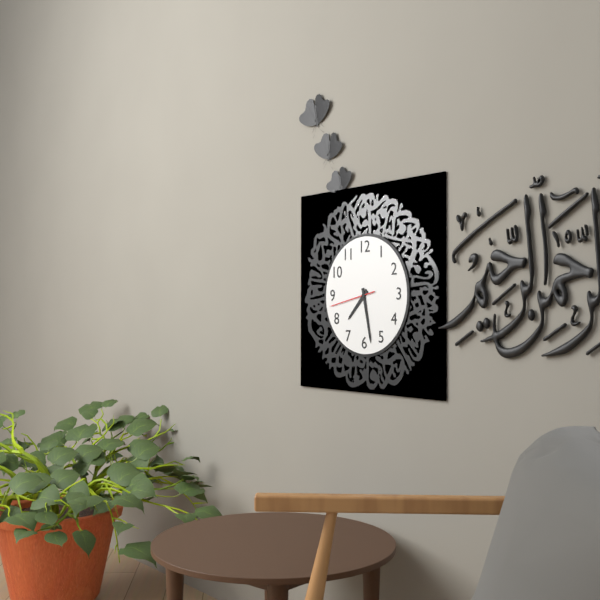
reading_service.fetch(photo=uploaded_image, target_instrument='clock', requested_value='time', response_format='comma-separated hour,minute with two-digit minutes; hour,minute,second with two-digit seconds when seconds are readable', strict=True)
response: 7,28,43
